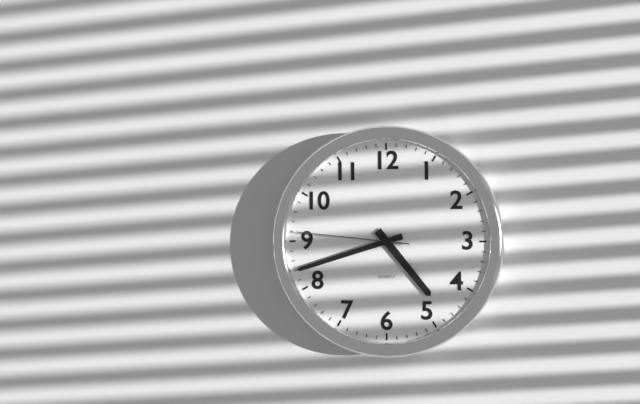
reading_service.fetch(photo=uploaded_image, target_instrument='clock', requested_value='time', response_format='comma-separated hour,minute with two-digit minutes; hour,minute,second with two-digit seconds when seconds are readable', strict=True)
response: 4,42,46
